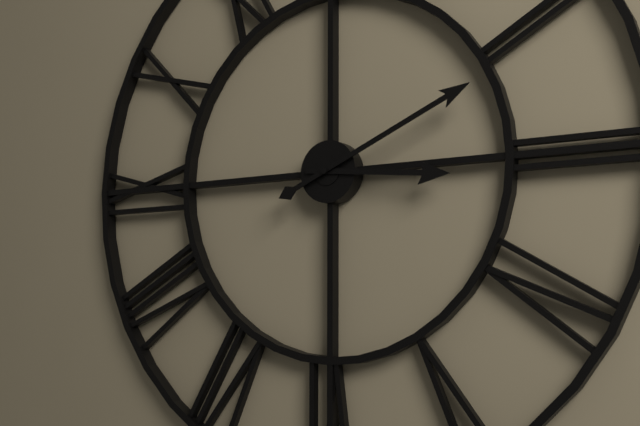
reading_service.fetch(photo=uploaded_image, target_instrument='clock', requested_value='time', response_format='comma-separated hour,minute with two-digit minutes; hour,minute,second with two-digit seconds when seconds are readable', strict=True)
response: 3,11
